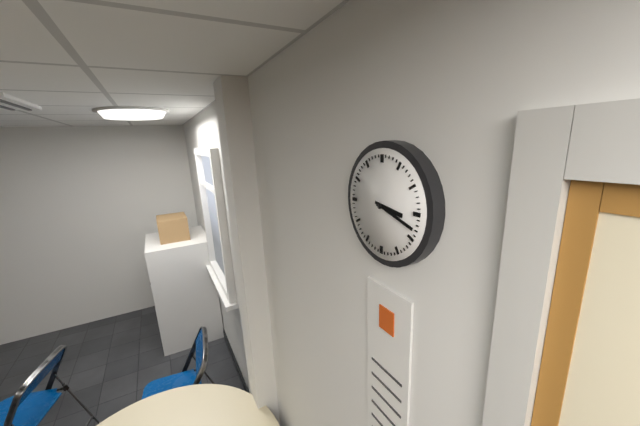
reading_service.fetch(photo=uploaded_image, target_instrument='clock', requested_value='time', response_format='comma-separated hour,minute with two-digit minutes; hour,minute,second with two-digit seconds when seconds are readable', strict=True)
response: 3,18
